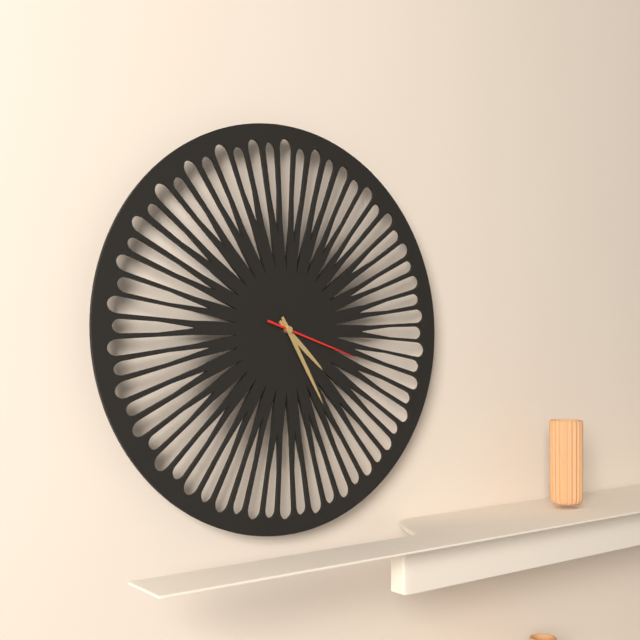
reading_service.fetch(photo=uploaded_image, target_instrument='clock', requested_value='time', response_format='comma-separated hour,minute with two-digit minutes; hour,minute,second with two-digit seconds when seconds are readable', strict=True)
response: 4,25,18
